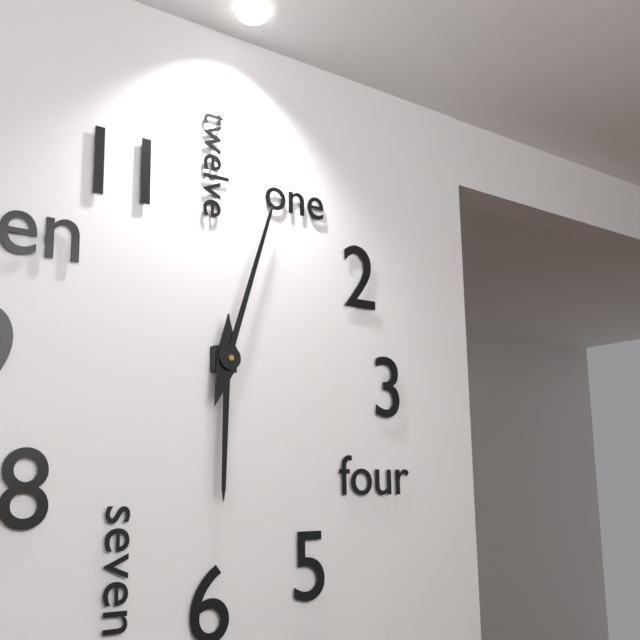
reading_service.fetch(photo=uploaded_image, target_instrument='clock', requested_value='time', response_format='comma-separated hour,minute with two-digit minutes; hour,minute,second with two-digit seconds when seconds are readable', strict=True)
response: 6,03
